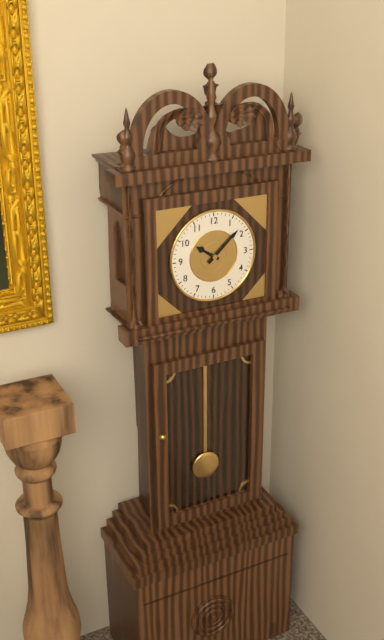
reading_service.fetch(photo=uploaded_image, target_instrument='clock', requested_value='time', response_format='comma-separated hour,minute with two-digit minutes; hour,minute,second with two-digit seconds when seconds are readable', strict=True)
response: 10,08
